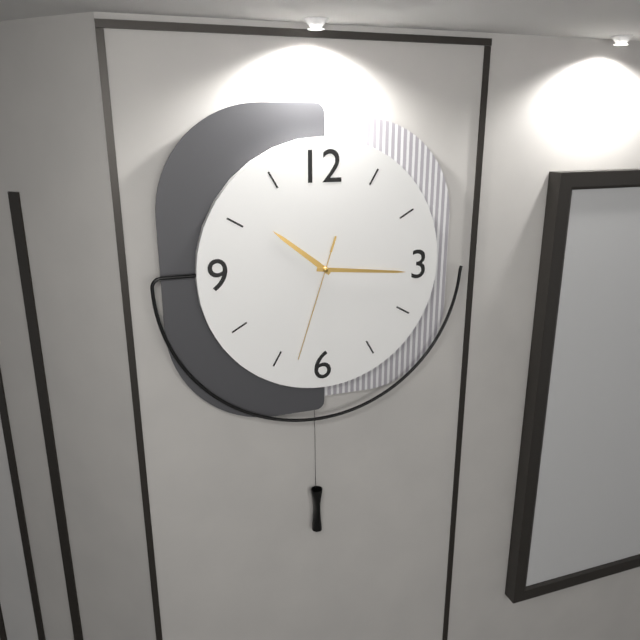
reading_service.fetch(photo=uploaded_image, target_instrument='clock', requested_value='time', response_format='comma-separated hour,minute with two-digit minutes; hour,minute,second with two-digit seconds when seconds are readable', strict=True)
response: 10,16,33
